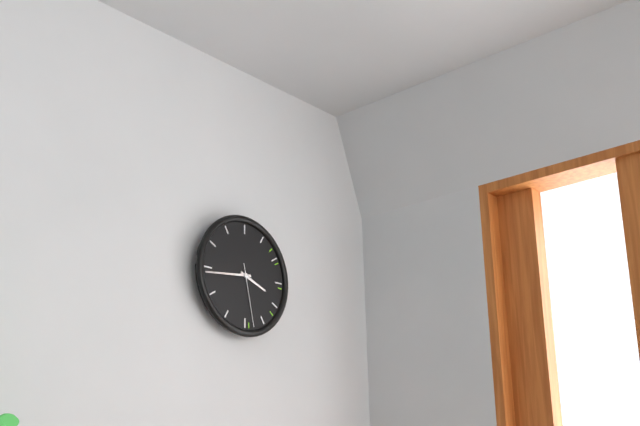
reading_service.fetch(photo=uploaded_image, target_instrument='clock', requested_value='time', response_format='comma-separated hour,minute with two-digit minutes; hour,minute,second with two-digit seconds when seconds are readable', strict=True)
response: 3,44,28
